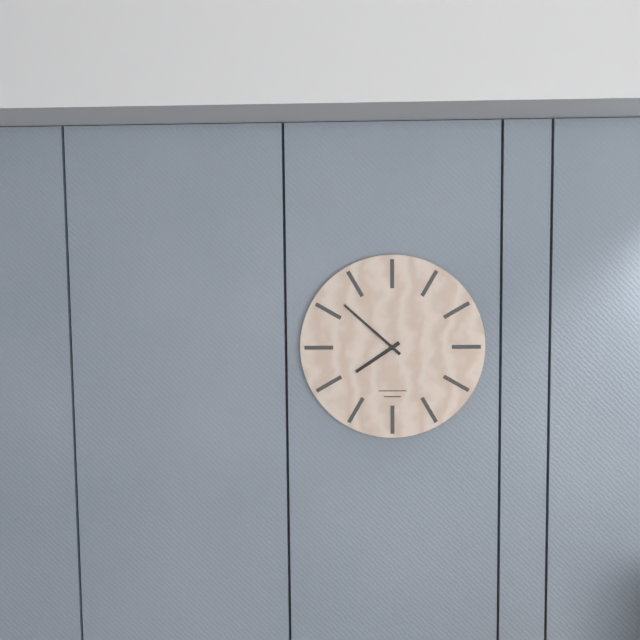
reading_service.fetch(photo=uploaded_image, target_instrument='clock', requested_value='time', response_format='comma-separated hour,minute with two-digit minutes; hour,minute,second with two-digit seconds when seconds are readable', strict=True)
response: 7,52
